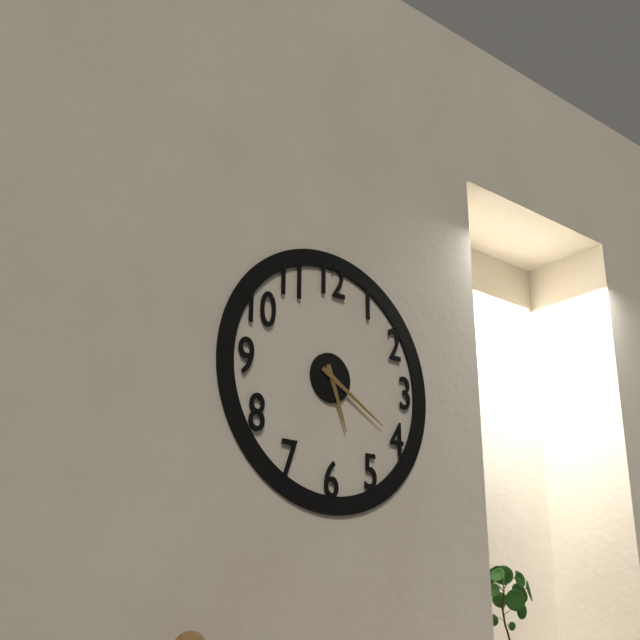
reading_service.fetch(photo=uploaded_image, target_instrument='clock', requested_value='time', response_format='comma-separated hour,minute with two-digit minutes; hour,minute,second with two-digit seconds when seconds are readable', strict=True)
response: 5,20
